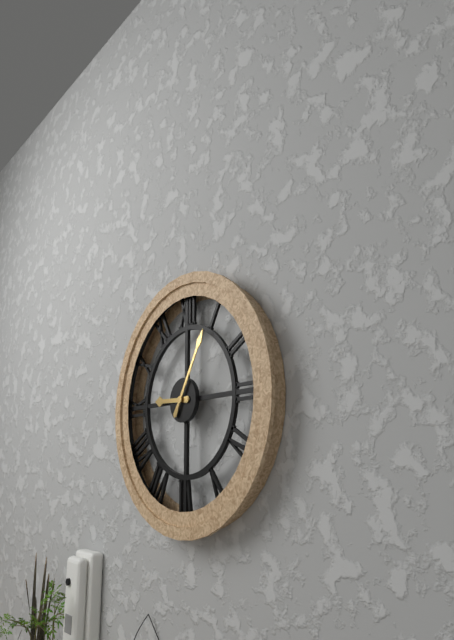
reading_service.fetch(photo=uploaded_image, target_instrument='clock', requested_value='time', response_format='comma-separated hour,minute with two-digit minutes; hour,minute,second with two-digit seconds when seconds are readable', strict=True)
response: 9,05
